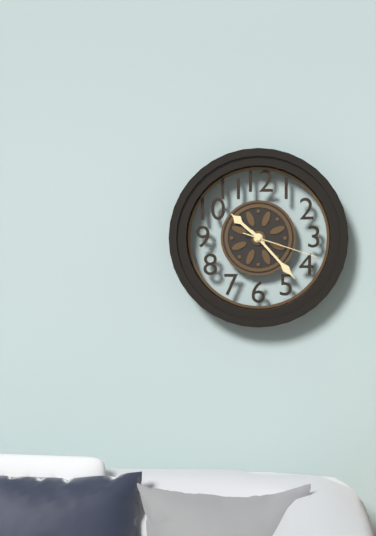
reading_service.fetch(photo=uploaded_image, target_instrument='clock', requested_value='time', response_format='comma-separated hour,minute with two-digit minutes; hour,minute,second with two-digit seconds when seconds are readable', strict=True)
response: 10,23,18
